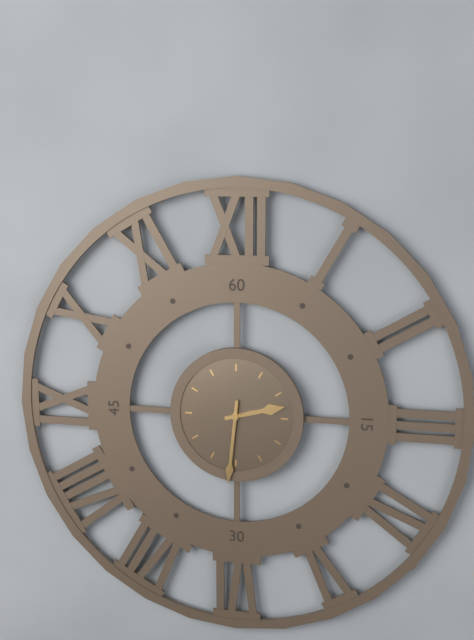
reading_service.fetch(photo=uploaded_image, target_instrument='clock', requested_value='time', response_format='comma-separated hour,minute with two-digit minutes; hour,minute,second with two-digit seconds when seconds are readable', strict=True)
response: 2,31
